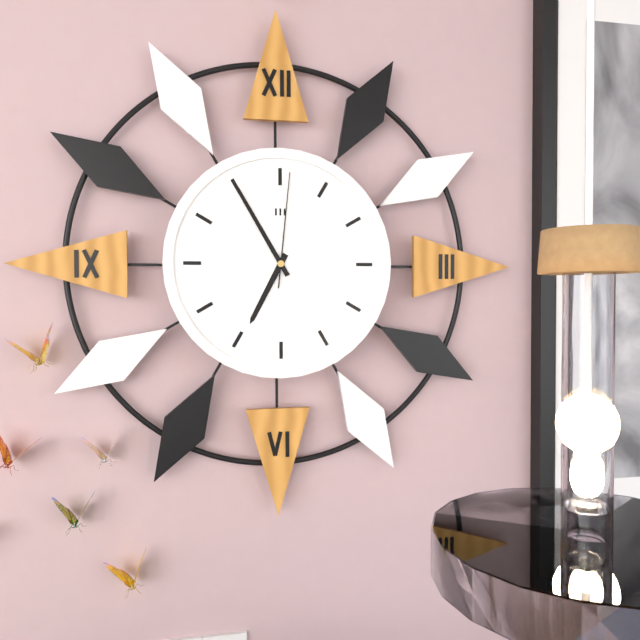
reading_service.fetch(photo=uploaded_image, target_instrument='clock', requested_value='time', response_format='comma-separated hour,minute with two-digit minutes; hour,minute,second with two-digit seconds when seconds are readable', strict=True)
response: 6,55,01
